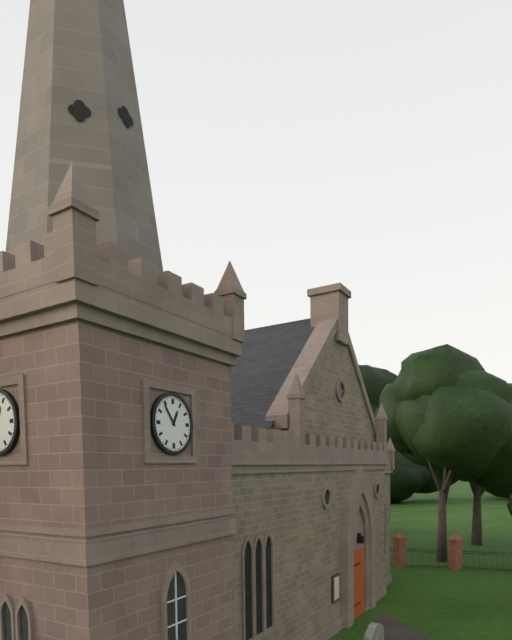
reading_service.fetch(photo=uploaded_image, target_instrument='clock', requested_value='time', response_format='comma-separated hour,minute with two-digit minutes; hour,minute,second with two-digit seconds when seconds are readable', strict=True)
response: 12,54
